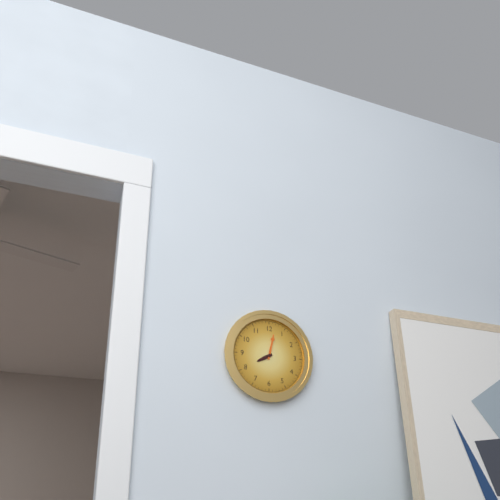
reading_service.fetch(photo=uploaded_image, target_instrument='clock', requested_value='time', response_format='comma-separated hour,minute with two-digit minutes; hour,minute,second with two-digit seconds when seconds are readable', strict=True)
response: 8,02
